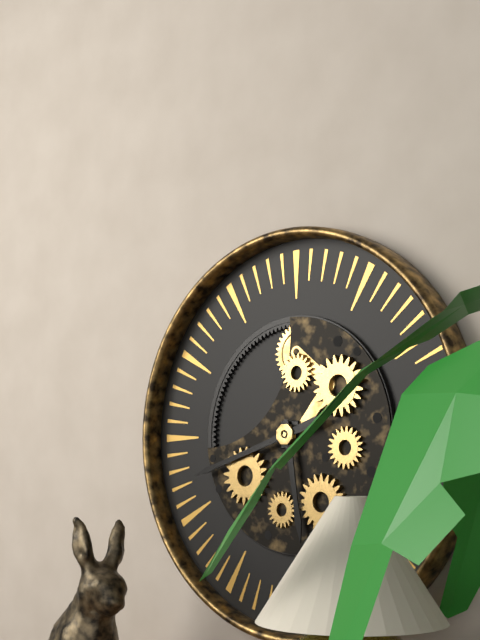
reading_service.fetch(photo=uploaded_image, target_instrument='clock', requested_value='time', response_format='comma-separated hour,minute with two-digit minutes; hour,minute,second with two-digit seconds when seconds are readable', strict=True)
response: 5,42
